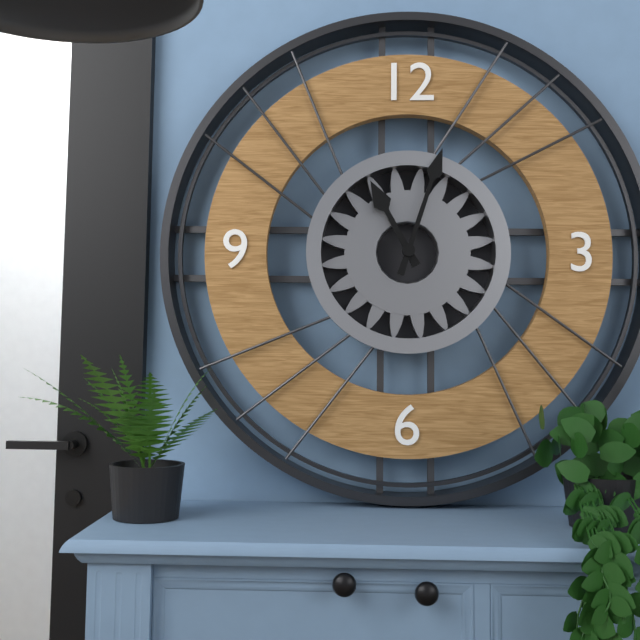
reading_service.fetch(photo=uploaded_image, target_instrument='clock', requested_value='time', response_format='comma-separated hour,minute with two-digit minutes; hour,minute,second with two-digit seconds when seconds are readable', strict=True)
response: 11,03
